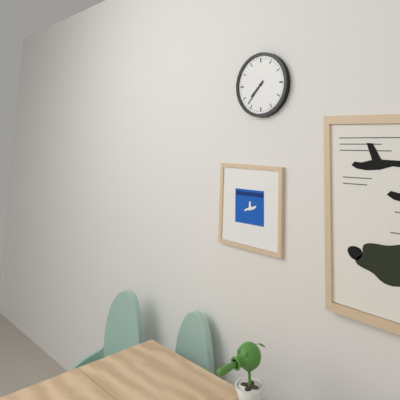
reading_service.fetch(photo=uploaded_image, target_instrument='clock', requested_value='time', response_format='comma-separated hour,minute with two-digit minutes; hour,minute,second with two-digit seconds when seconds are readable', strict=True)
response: 7,37
